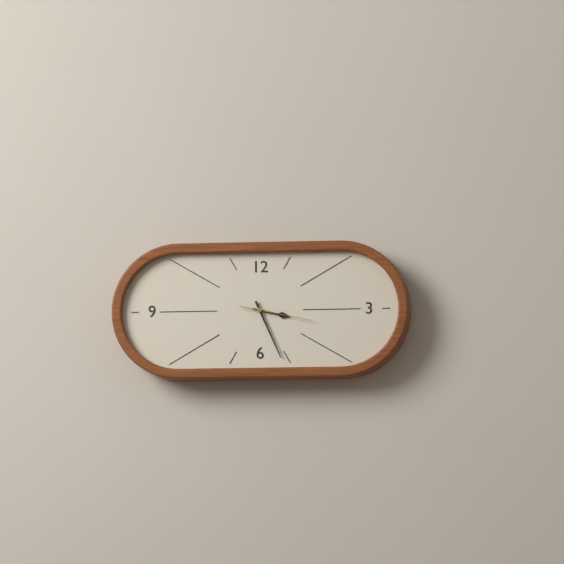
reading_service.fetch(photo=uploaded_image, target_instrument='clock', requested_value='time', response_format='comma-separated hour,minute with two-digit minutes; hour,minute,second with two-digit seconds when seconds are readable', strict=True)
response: 3,26,17
